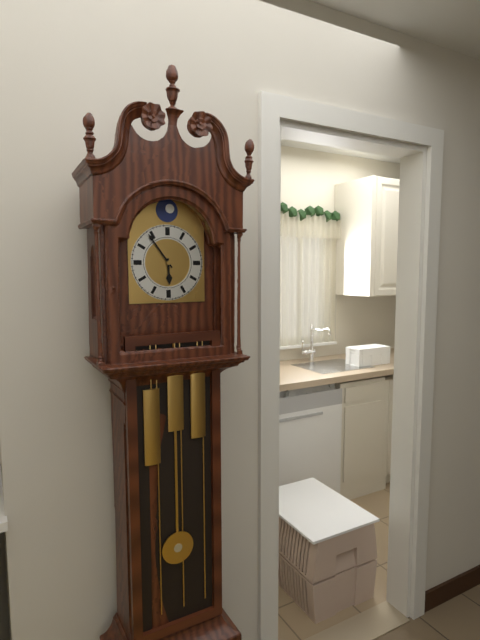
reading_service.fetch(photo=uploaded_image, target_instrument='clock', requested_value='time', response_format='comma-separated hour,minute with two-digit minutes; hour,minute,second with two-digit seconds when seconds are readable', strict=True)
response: 5,54
